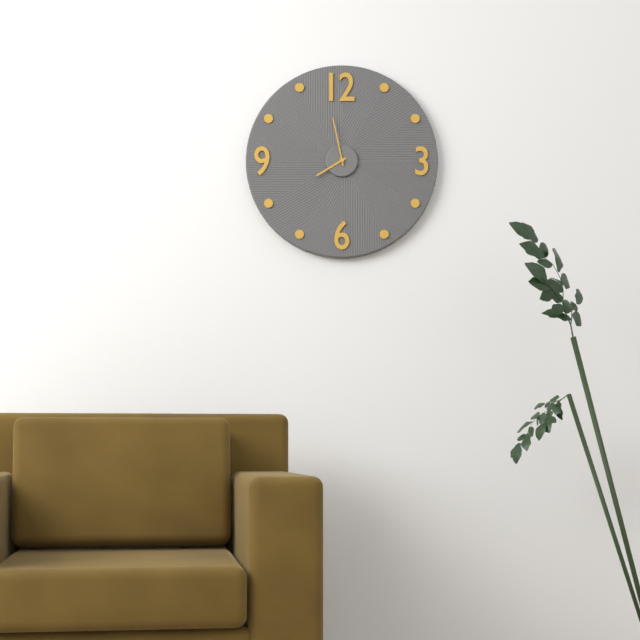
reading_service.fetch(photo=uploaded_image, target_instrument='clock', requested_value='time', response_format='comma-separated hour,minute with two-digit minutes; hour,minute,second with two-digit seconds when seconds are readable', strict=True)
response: 7,58
